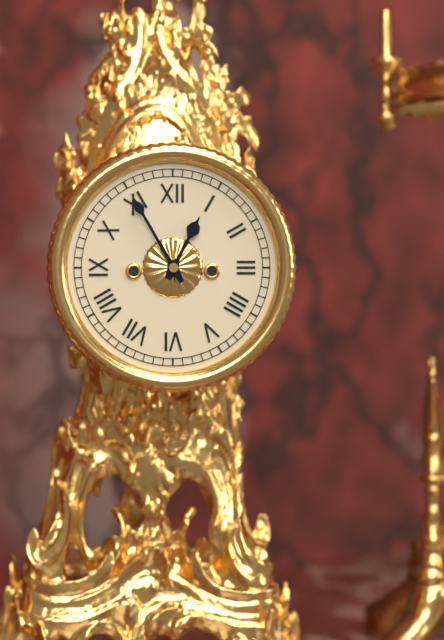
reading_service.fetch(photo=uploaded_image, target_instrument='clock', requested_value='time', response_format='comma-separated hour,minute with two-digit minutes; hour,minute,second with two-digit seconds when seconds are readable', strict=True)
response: 12,55
